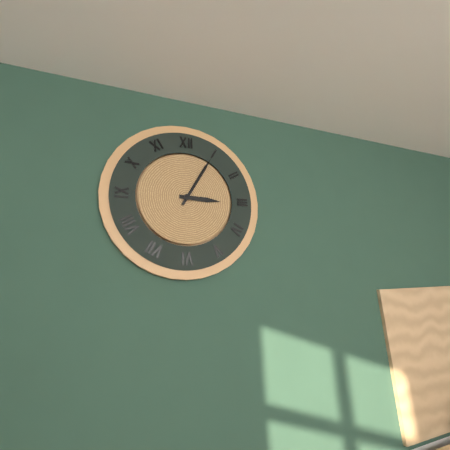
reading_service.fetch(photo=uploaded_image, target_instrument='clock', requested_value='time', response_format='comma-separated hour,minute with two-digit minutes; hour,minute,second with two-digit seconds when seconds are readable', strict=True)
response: 3,05
